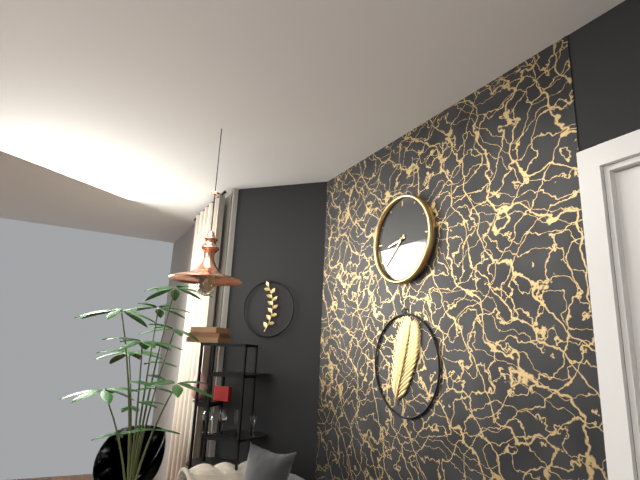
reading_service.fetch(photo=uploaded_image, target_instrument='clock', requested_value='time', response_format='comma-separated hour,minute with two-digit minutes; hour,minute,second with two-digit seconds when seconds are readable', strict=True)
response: 8,38
